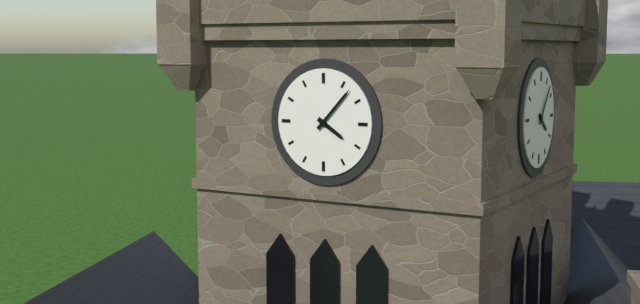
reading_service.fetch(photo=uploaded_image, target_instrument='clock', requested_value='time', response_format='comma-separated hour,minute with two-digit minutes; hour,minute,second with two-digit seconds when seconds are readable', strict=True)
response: 4,07
